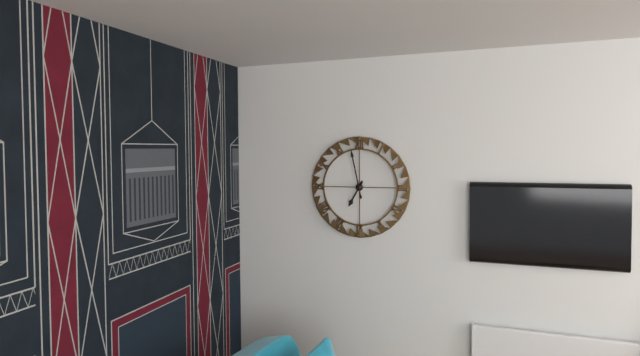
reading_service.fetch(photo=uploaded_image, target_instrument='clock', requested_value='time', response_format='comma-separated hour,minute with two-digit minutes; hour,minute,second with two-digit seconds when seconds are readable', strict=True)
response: 6,58
